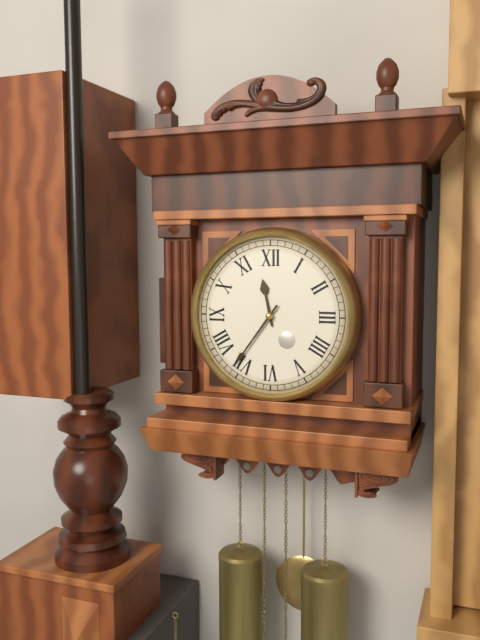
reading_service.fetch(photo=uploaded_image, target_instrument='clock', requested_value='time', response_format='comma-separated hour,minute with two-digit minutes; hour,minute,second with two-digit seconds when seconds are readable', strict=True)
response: 11,36
